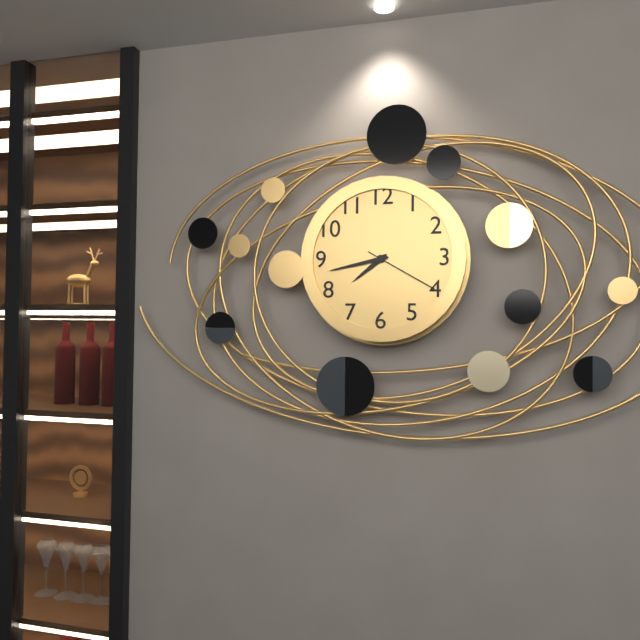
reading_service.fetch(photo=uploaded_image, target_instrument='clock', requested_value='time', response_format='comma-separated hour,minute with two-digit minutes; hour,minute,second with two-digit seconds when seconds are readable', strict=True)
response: 7,43,20
